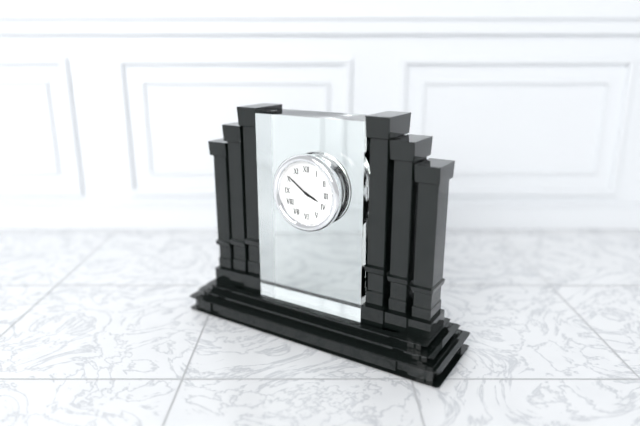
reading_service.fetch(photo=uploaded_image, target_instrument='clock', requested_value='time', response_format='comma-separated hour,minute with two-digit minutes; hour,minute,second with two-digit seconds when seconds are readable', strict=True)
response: 3,51
